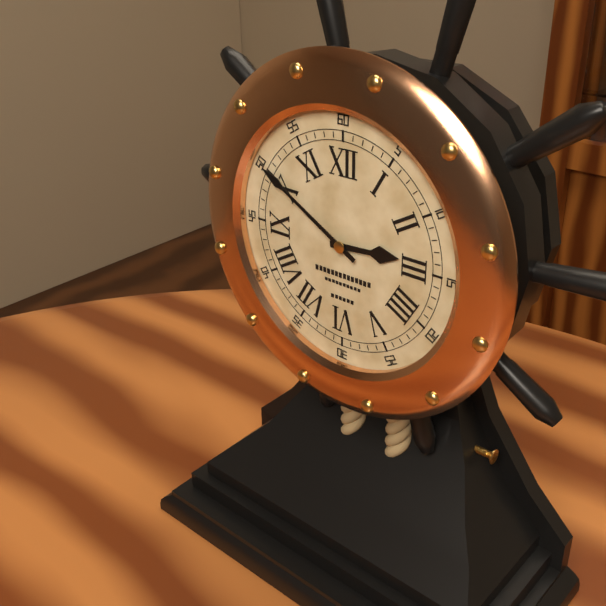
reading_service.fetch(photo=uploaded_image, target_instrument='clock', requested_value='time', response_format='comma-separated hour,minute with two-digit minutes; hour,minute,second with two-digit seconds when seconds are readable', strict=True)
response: 2,50
